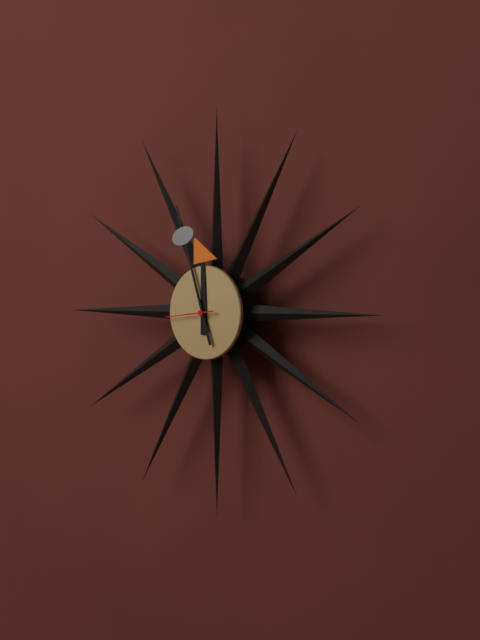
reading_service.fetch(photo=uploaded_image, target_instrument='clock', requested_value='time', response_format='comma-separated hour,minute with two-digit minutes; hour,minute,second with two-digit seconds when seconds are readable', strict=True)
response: 11,57,44
